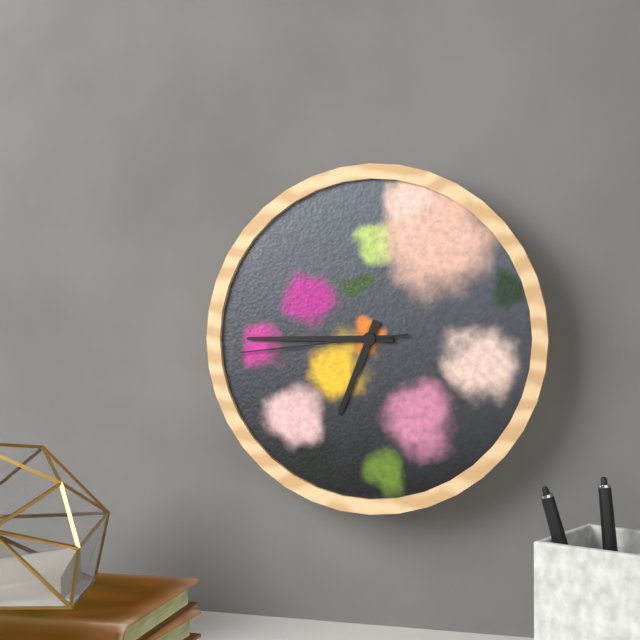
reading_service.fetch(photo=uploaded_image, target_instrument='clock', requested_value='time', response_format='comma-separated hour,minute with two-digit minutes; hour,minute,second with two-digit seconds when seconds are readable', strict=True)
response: 6,45,44
